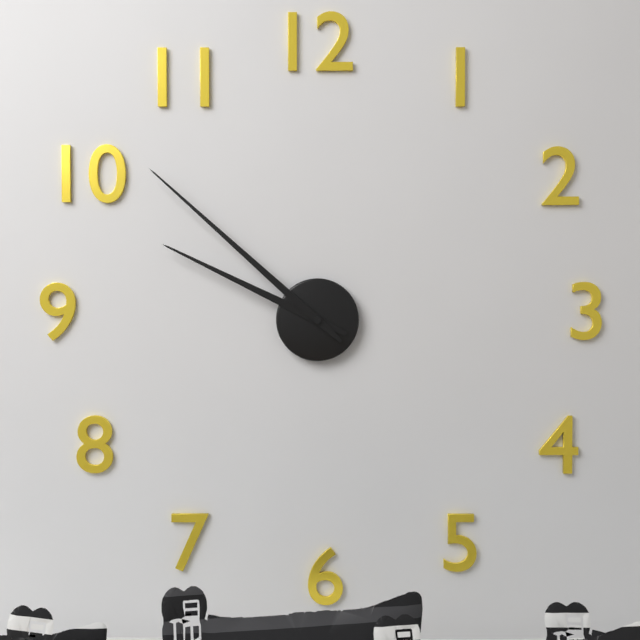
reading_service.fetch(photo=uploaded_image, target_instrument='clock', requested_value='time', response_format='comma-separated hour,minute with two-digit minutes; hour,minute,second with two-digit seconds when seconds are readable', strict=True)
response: 9,52
